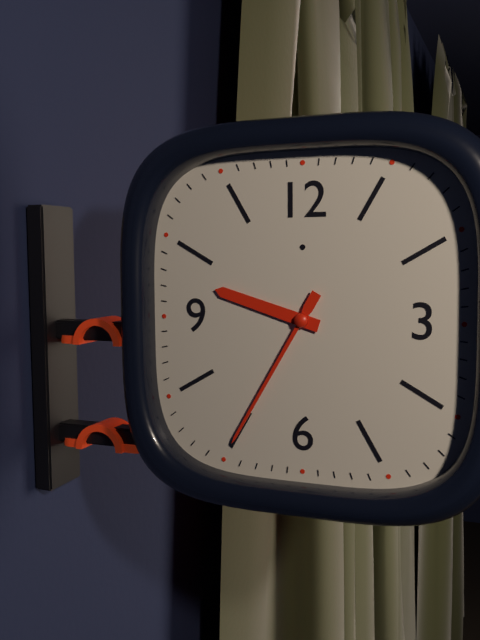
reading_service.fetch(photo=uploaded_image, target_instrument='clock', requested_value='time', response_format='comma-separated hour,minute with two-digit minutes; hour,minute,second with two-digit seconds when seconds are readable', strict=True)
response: 9,35
